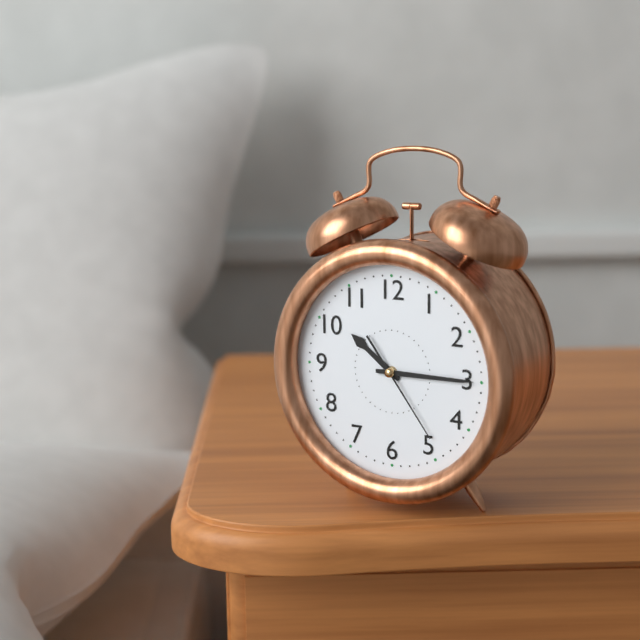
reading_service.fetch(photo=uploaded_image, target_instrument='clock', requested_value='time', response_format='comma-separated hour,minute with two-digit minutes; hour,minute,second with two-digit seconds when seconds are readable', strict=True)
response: 10,15,24
